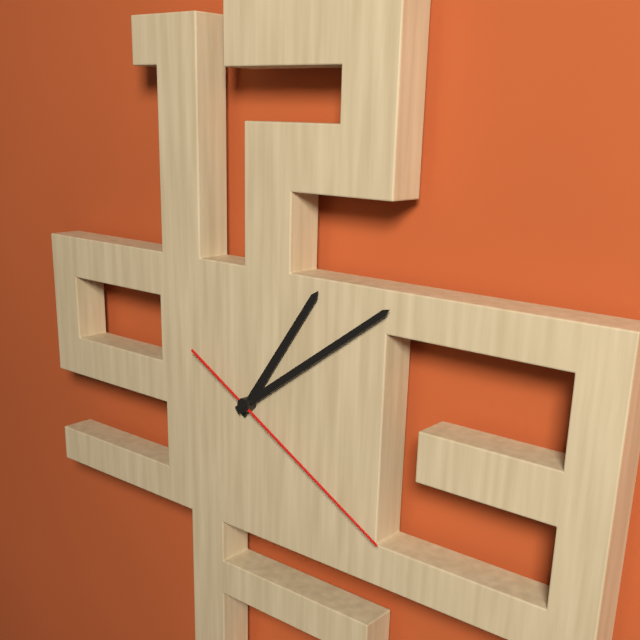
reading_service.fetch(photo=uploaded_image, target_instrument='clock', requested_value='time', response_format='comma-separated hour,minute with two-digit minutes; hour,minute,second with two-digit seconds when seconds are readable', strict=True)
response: 1,09,20
